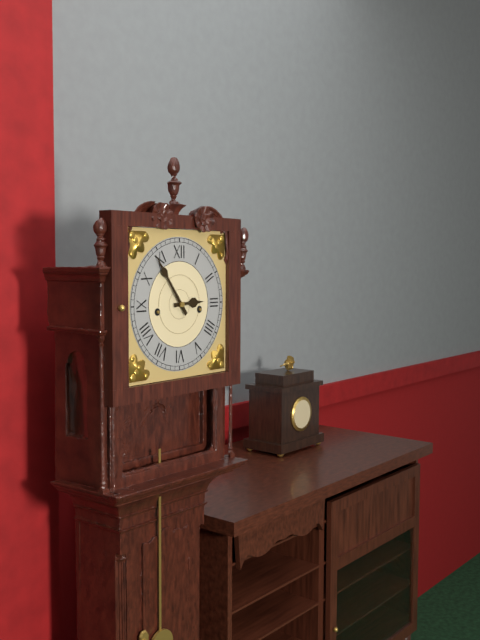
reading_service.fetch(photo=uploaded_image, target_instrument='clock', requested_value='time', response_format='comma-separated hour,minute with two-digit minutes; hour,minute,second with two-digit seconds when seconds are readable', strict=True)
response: 2,54
